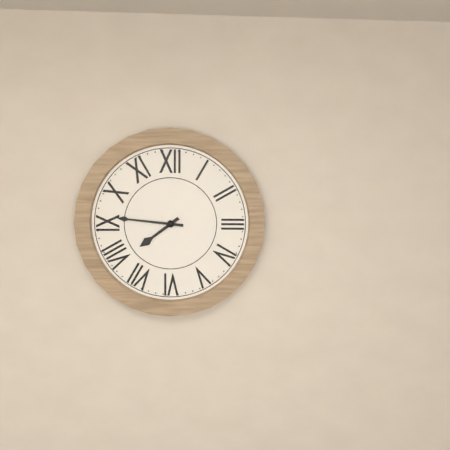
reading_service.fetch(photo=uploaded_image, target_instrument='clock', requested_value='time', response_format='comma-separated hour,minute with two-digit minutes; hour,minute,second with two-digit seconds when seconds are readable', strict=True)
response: 7,46
